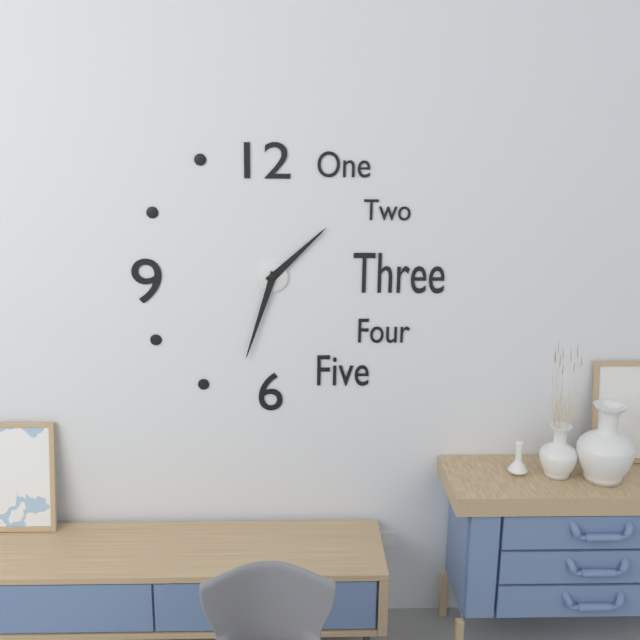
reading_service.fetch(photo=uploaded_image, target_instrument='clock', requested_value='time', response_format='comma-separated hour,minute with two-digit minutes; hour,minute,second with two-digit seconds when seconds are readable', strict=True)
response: 1,33
